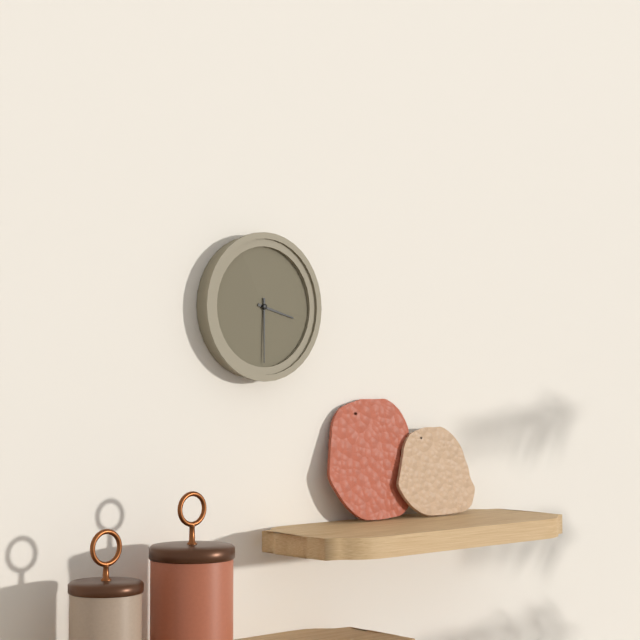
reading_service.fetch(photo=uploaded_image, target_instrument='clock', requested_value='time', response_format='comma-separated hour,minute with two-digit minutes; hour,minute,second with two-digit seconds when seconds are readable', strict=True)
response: 3,30
